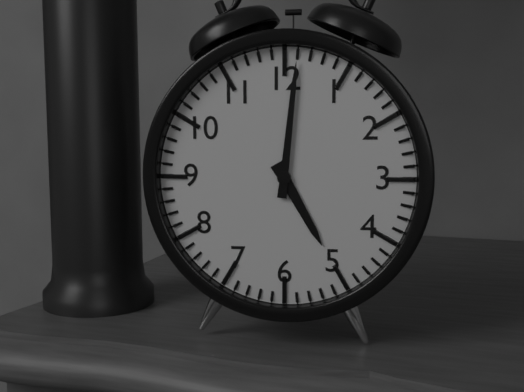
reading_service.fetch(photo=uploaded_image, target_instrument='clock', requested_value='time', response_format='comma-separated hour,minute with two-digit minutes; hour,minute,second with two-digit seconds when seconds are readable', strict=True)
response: 5,01
